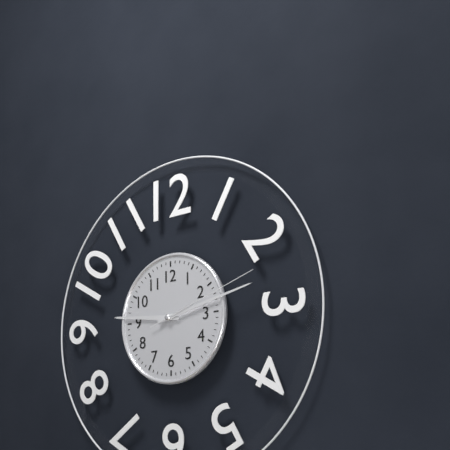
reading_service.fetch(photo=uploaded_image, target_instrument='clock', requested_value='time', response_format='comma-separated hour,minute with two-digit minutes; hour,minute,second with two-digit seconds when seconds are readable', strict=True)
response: 9,13,12
